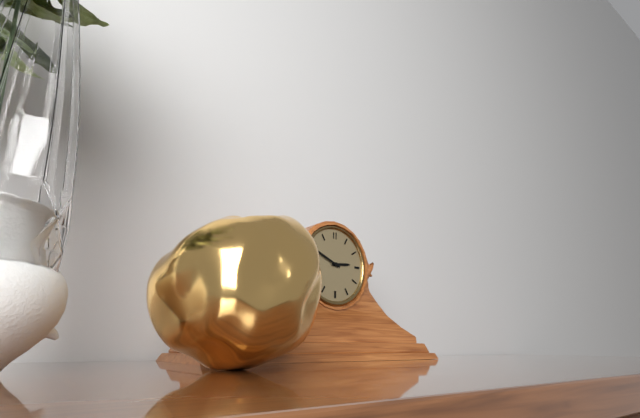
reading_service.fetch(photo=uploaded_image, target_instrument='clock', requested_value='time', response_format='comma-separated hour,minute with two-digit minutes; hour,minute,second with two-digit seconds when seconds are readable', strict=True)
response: 2,49
